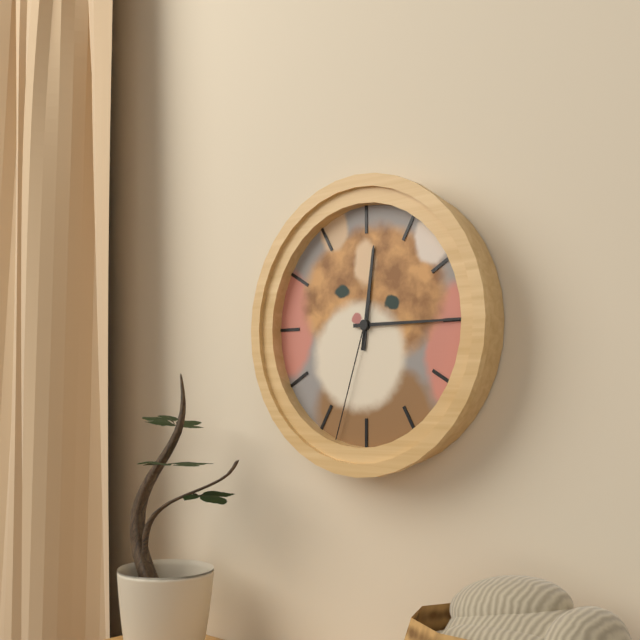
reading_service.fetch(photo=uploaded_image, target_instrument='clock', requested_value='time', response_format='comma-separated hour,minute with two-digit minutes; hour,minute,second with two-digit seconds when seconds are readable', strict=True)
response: 12,15,33
